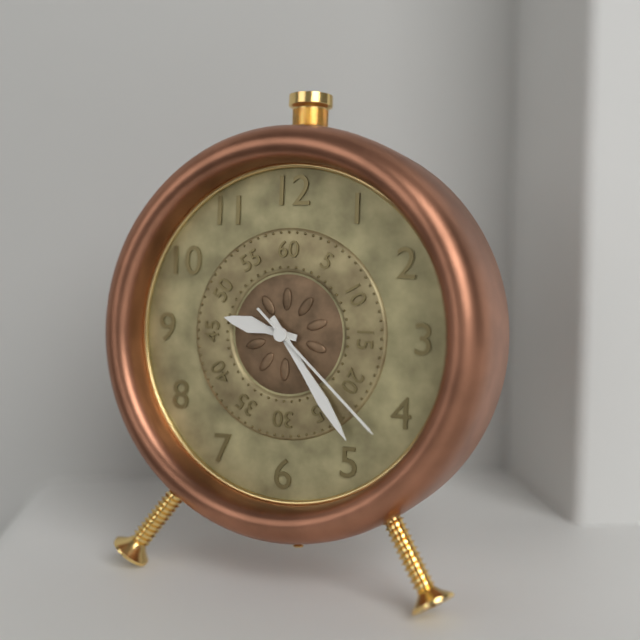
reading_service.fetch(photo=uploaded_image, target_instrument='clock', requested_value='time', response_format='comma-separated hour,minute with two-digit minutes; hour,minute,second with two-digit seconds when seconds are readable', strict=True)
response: 9,24,22
